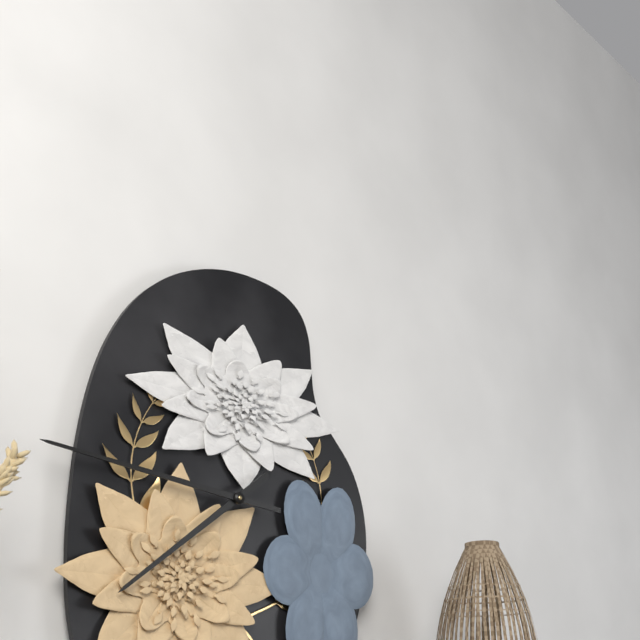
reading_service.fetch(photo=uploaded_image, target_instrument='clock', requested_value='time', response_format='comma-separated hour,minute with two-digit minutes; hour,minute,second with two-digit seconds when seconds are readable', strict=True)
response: 7,46
